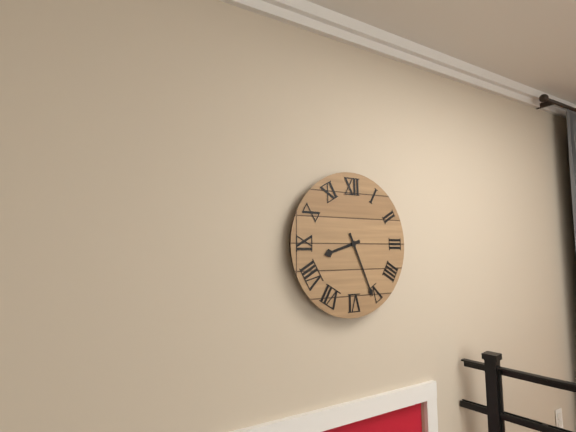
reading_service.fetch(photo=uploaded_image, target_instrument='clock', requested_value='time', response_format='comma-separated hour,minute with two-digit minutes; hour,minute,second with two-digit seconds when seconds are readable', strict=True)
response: 8,26
